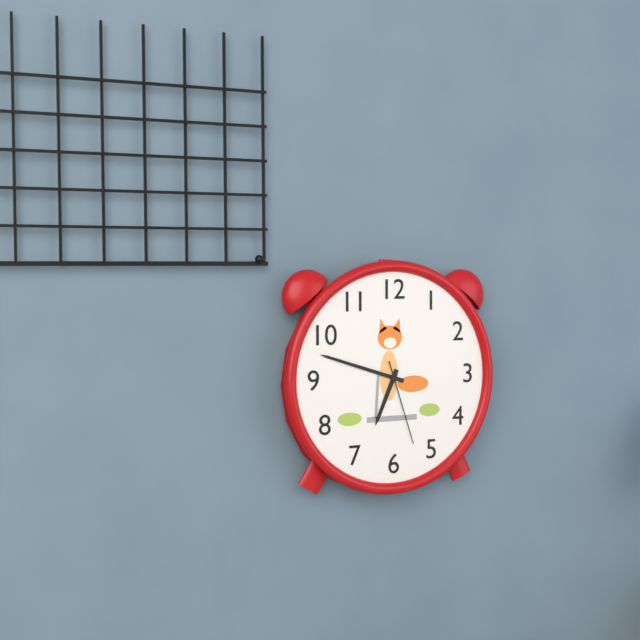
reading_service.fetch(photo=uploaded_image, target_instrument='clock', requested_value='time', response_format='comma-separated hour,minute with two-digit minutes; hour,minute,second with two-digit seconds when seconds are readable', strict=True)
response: 6,48,27
